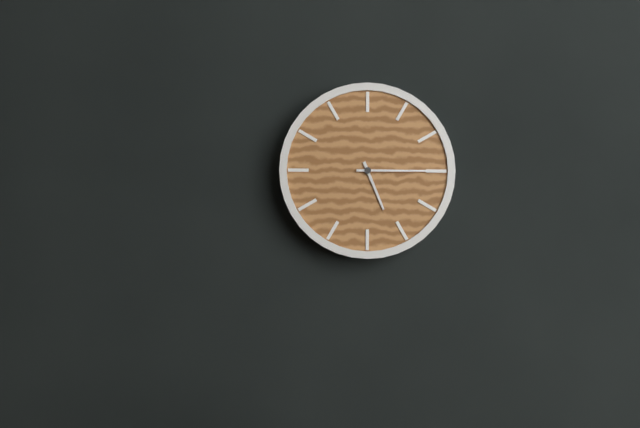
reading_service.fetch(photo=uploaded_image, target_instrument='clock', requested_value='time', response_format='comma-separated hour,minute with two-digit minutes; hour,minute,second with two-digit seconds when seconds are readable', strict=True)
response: 5,15
